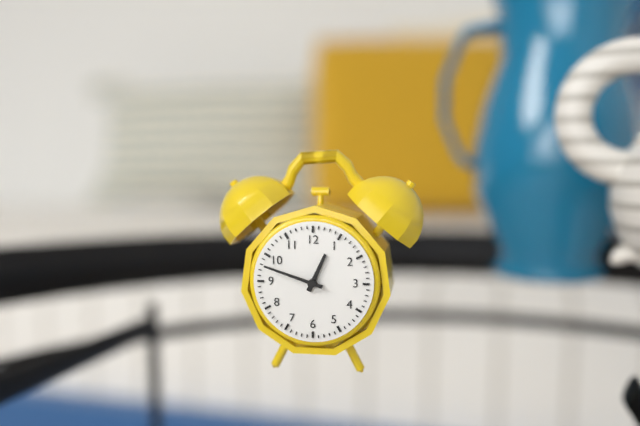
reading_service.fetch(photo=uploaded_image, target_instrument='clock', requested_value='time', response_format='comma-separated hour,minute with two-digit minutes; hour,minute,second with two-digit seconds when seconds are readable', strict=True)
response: 12,48
